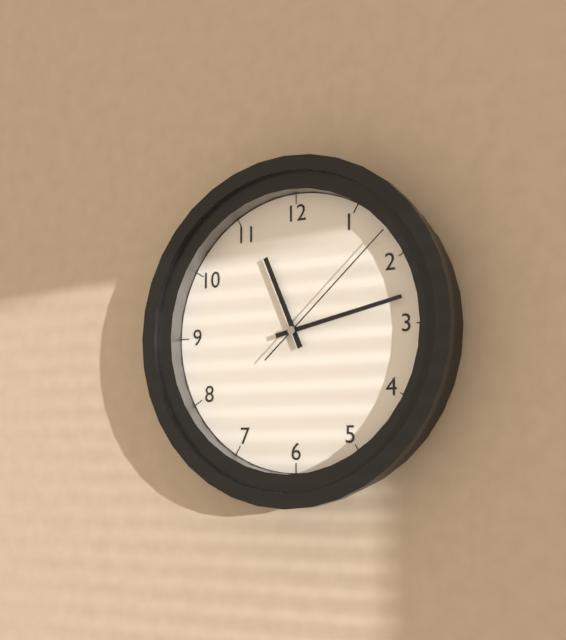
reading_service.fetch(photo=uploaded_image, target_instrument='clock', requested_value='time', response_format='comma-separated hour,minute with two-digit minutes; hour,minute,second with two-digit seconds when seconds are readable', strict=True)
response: 11,13,08
